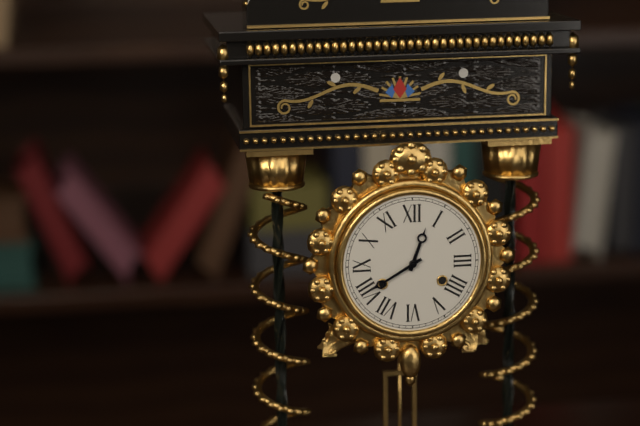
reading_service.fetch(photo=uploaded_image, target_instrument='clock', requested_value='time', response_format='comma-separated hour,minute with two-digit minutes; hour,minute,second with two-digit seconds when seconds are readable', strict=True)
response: 12,40
